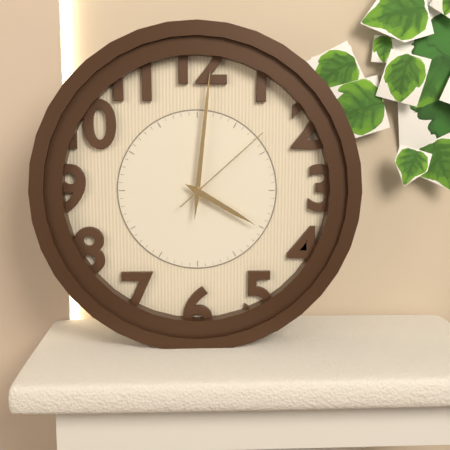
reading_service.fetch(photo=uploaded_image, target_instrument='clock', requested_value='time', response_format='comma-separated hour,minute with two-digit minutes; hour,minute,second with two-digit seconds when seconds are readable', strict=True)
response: 4,01,08
